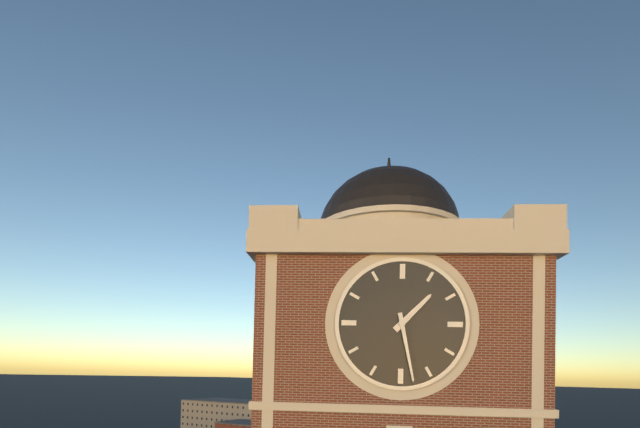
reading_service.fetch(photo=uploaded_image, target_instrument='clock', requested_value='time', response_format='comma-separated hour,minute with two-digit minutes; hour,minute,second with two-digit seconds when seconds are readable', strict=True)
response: 1,28
